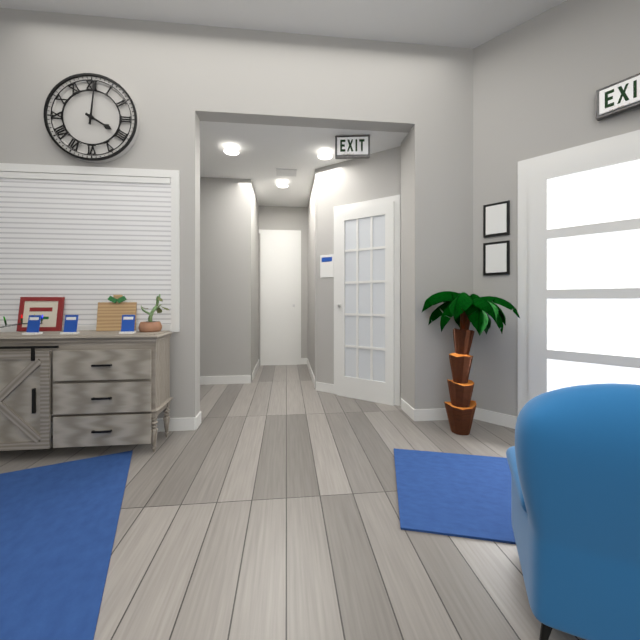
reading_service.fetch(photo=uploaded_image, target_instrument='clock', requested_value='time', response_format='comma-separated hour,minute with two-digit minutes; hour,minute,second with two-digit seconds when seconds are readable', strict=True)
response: 4,01
